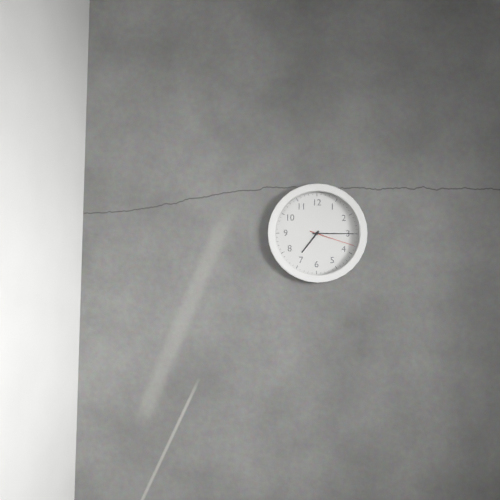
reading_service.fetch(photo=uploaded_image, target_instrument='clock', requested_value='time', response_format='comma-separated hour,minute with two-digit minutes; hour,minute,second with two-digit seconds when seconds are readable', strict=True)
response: 7,15
